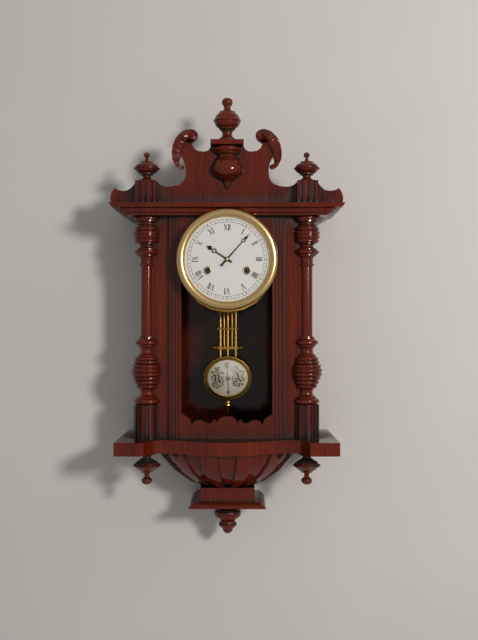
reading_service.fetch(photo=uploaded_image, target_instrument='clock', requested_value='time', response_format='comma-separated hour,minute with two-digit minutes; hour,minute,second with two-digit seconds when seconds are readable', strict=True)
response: 10,07
